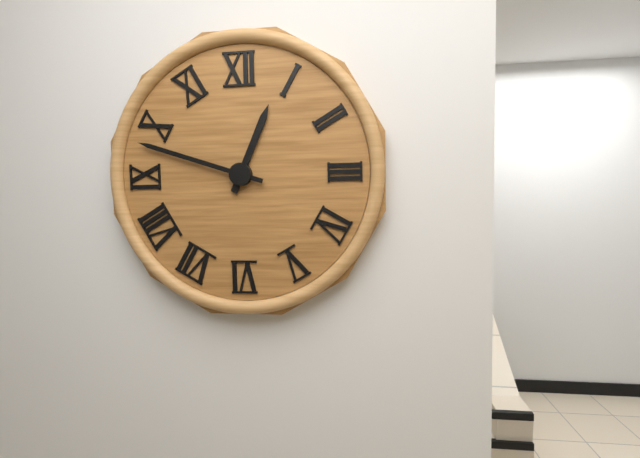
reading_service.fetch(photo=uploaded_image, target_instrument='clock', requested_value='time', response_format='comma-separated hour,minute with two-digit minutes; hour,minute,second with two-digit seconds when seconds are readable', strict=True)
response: 12,48
